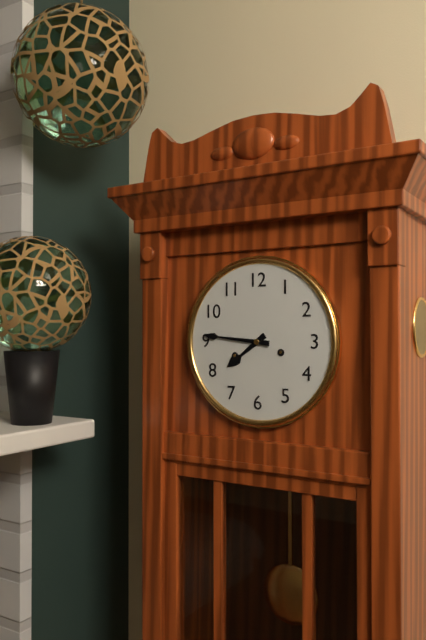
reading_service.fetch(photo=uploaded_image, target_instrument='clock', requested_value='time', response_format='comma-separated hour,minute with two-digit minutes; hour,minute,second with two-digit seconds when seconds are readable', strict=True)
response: 7,46
